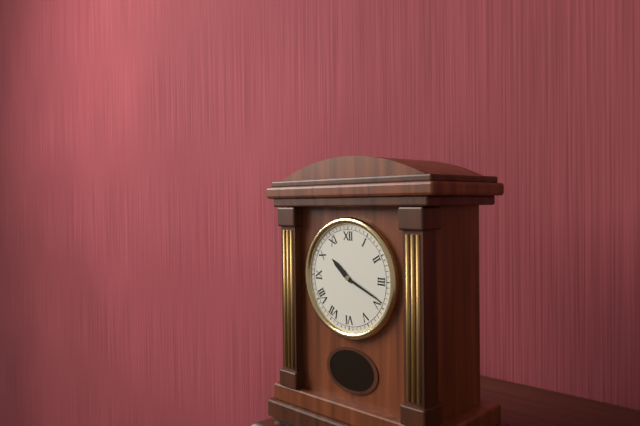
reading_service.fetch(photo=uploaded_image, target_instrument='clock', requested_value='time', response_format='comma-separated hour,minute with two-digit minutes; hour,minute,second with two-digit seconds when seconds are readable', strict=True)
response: 10,19
